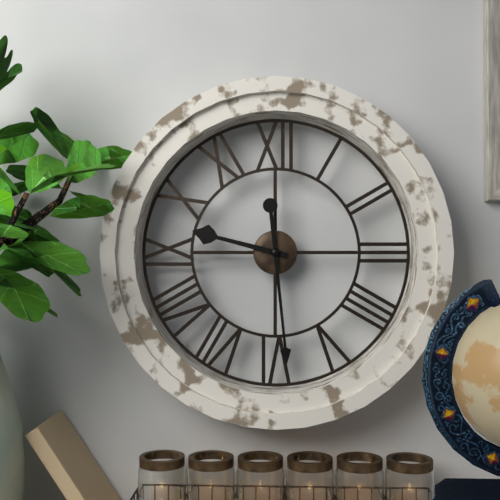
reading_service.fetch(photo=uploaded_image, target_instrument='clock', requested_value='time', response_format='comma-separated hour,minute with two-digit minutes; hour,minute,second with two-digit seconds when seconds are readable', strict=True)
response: 9,29
